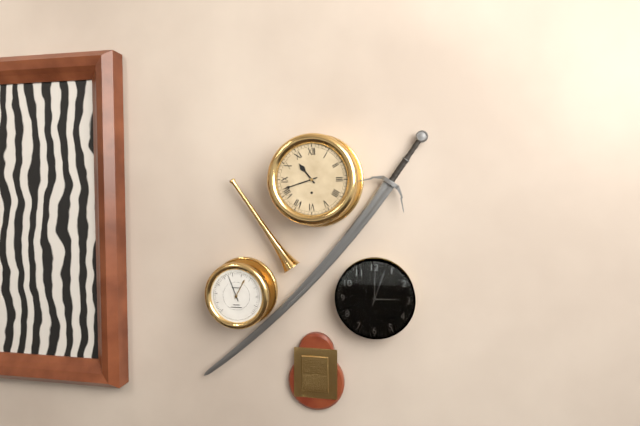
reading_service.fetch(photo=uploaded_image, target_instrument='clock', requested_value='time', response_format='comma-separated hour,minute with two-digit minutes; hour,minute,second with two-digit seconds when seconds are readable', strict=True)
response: 10,42
